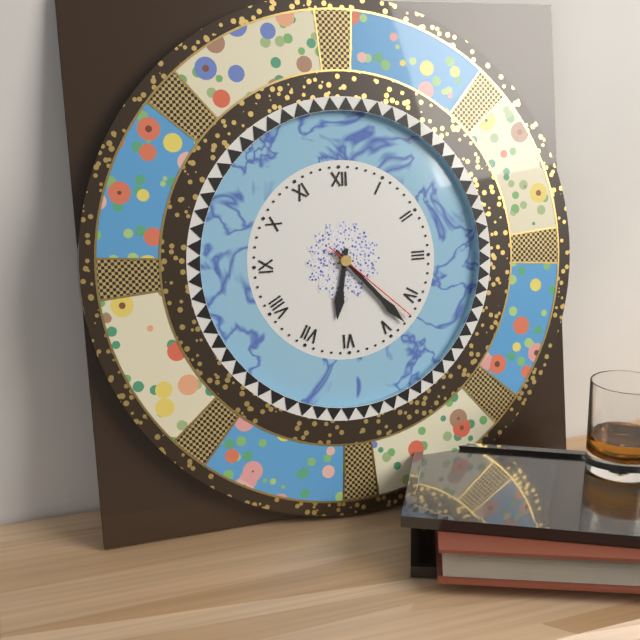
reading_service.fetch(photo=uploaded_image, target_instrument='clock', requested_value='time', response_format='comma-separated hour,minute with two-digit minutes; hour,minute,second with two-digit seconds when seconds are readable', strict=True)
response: 6,23,22
